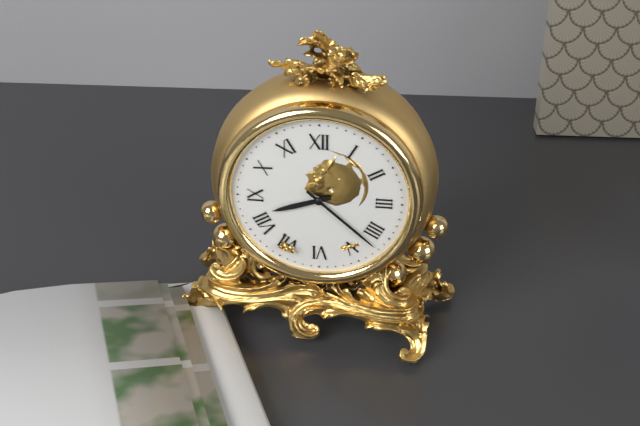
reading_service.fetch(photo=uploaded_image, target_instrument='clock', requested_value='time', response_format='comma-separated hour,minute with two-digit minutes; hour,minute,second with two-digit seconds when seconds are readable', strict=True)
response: 8,22
